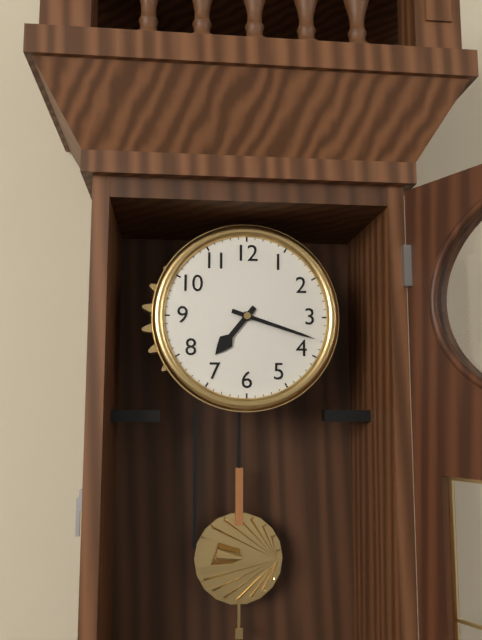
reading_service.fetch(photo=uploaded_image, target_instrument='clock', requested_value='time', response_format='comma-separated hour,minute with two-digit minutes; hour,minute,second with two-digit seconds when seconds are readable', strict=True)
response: 7,18
